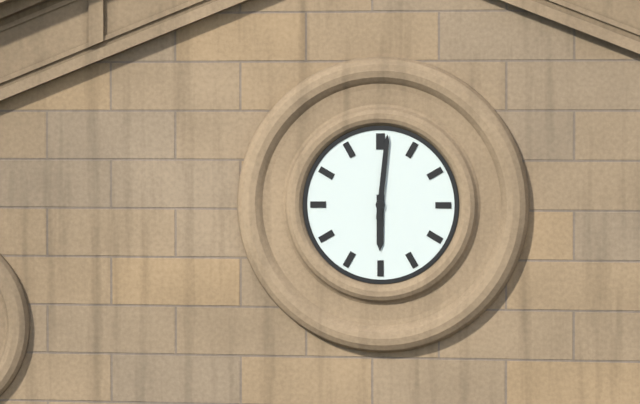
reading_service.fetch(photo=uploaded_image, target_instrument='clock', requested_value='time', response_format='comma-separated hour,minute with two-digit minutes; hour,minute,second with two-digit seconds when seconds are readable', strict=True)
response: 6,01
